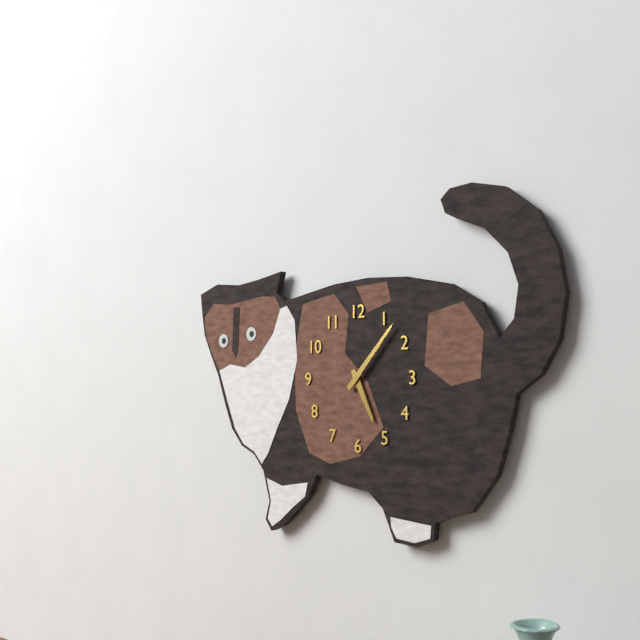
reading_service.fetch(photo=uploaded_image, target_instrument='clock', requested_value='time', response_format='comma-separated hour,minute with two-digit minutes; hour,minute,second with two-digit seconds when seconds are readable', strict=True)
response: 5,07
